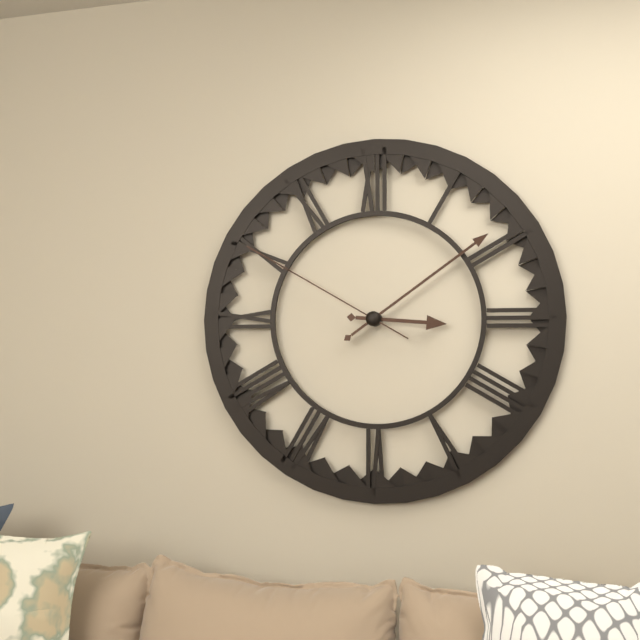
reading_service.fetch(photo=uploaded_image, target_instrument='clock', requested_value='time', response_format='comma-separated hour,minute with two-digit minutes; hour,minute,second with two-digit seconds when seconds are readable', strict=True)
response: 3,09,50
